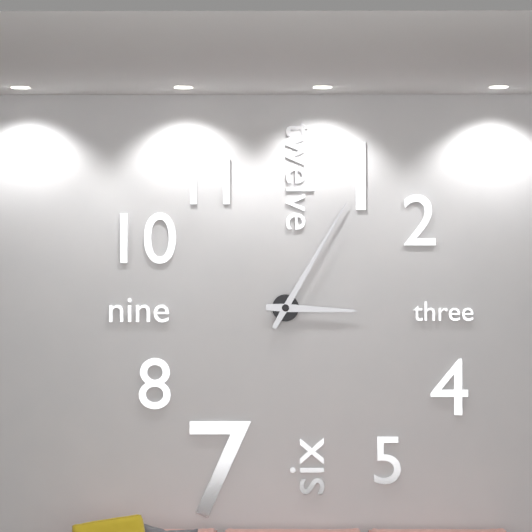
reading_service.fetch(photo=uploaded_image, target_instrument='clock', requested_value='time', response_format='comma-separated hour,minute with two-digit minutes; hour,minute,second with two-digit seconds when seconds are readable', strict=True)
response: 3,05
